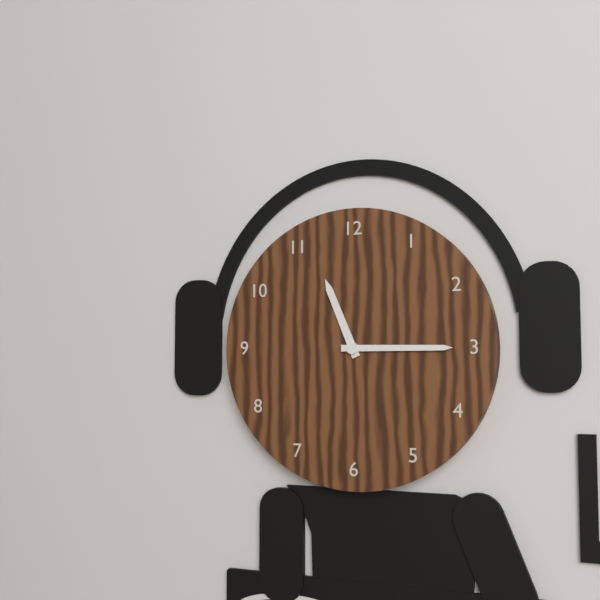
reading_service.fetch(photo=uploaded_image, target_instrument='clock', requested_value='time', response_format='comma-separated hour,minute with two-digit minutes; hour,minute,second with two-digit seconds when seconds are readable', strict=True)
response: 11,15
